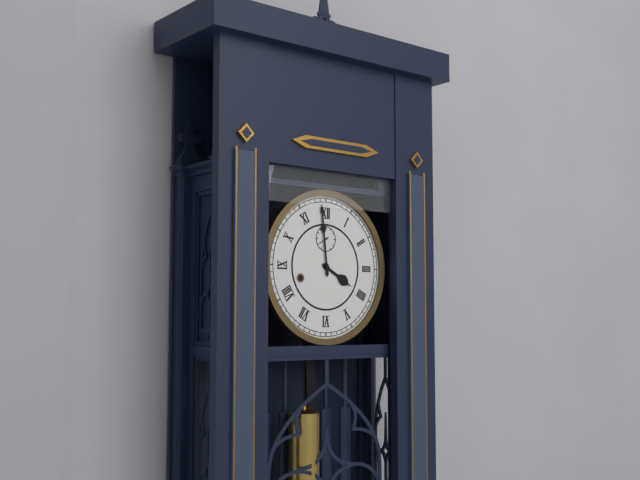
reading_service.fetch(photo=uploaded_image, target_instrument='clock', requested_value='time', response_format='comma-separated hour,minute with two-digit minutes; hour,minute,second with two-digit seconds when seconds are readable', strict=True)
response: 3,59
